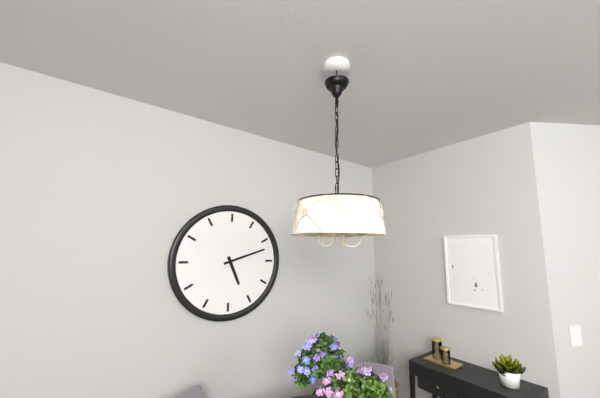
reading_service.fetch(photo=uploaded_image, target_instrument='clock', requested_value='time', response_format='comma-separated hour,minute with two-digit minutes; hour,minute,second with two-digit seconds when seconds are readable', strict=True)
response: 5,12
